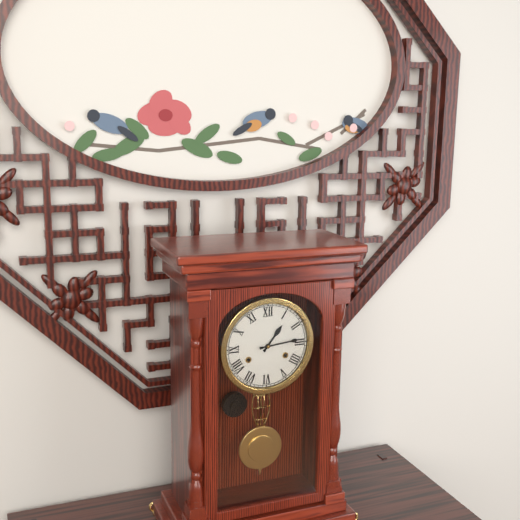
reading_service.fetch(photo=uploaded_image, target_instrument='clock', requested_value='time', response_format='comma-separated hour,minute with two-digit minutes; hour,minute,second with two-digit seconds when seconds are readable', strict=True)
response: 1,14
